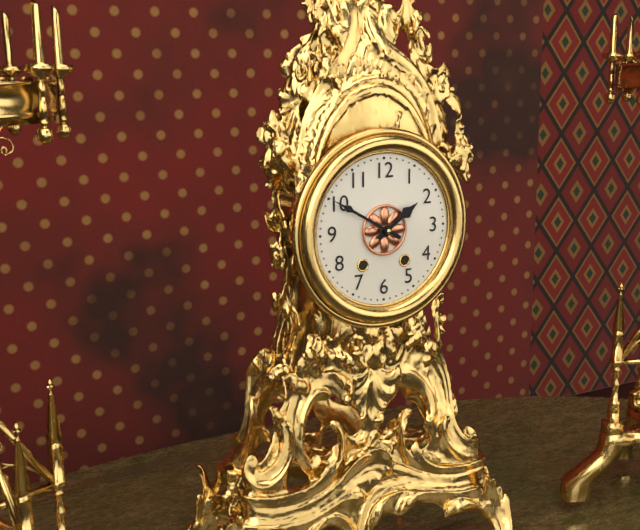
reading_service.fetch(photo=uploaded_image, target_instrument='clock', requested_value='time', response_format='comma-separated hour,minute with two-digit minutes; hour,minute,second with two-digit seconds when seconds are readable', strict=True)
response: 1,50
